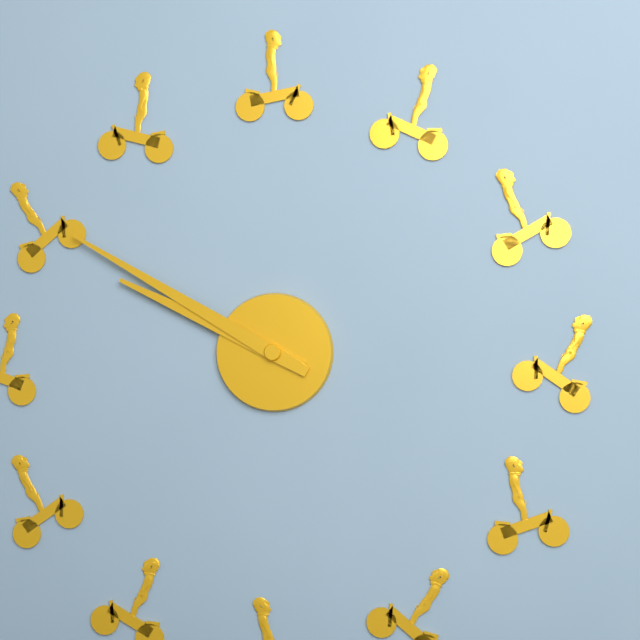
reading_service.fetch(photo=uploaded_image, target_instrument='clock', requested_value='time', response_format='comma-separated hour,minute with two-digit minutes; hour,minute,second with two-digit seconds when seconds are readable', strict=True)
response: 9,50
